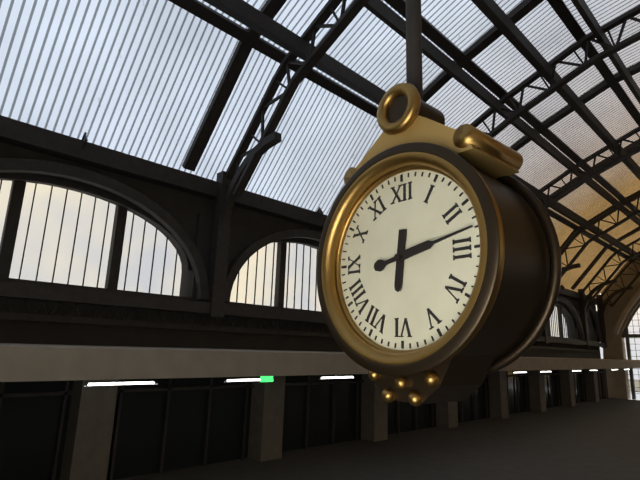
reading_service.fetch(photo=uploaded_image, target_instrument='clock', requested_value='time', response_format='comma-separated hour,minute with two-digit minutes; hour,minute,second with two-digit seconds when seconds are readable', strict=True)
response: 6,13
